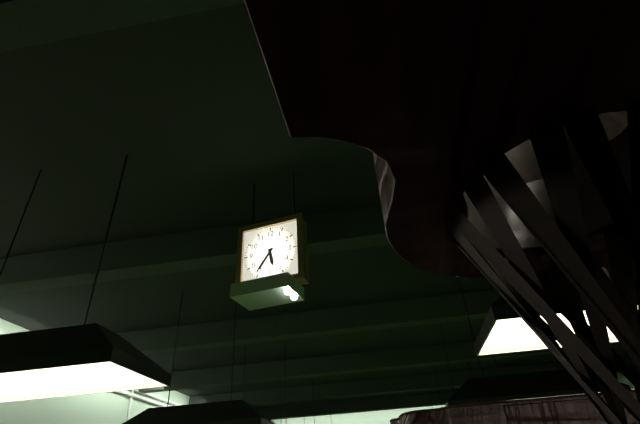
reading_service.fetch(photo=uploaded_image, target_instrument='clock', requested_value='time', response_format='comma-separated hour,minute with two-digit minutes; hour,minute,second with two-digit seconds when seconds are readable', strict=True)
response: 5,36
